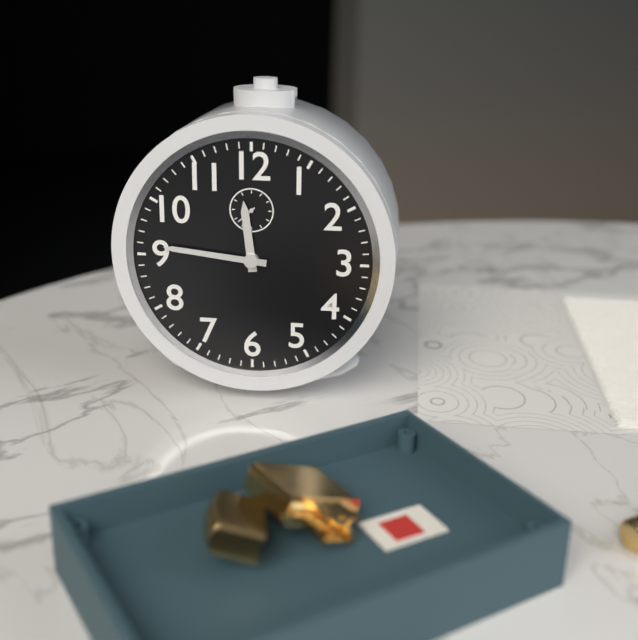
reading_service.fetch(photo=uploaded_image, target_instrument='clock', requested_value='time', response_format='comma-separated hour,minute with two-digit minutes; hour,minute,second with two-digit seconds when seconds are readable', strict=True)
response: 11,46
